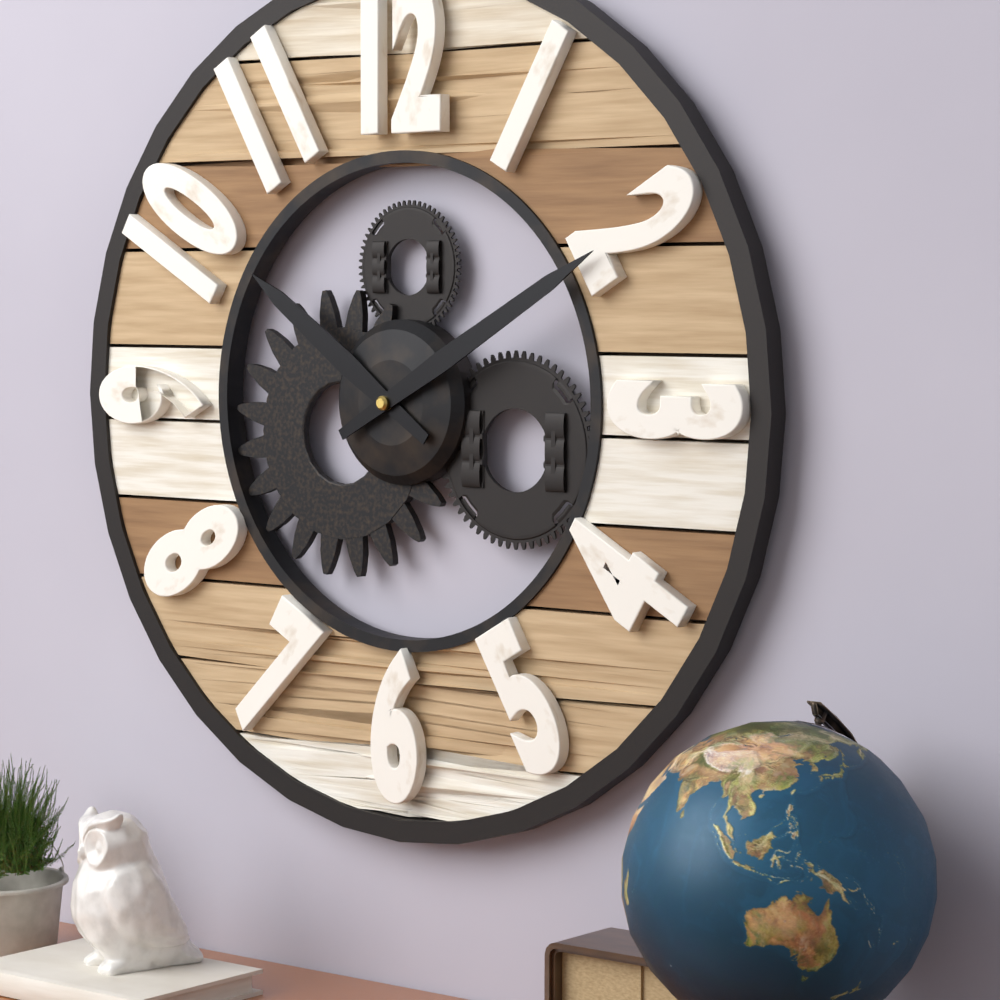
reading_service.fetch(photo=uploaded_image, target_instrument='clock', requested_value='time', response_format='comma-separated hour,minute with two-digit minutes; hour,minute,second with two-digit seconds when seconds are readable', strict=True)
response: 10,10
